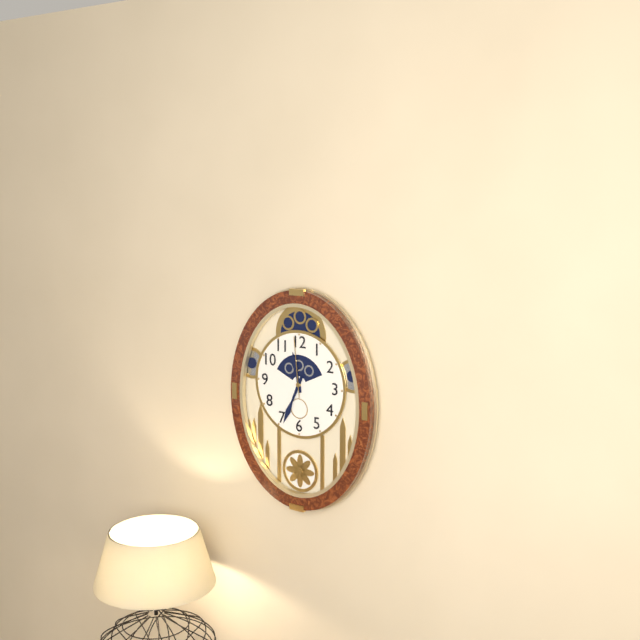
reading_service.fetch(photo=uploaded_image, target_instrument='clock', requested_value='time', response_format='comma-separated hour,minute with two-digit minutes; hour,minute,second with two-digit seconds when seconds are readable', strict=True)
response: 11,34,59
